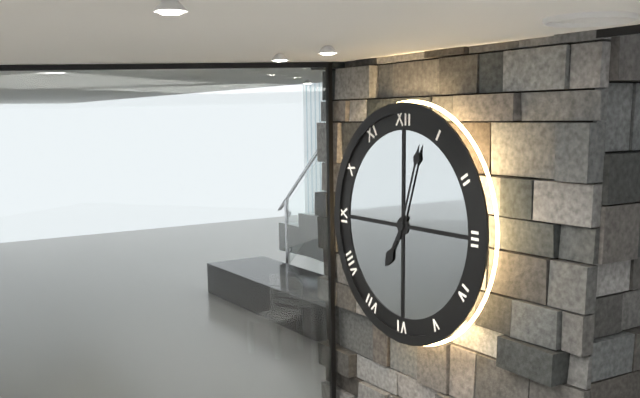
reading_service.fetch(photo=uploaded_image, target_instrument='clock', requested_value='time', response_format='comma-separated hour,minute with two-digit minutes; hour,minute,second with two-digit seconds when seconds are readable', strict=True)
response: 7,03
